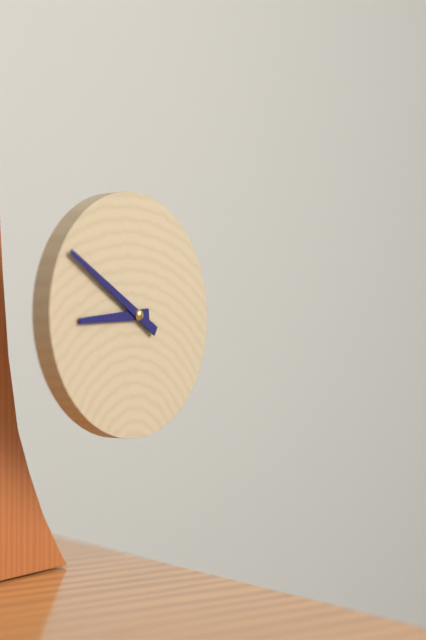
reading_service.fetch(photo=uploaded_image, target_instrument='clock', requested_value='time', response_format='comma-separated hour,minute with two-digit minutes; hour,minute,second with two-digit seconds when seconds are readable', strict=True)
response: 8,50
